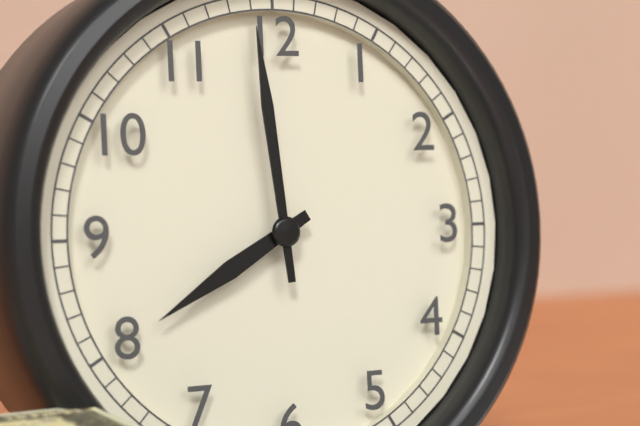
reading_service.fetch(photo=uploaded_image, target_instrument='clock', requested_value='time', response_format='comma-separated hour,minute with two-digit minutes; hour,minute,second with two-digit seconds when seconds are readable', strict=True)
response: 7,59
